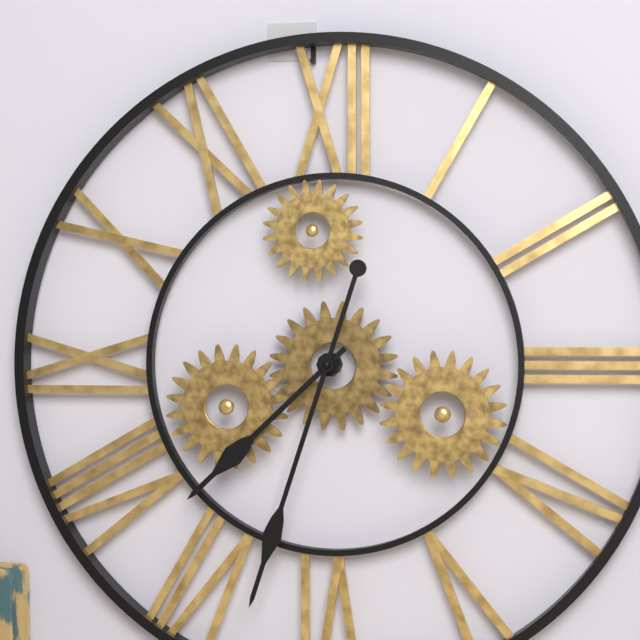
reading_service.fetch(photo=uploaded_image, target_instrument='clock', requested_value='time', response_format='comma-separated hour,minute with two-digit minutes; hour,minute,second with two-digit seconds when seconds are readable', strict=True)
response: 7,33
